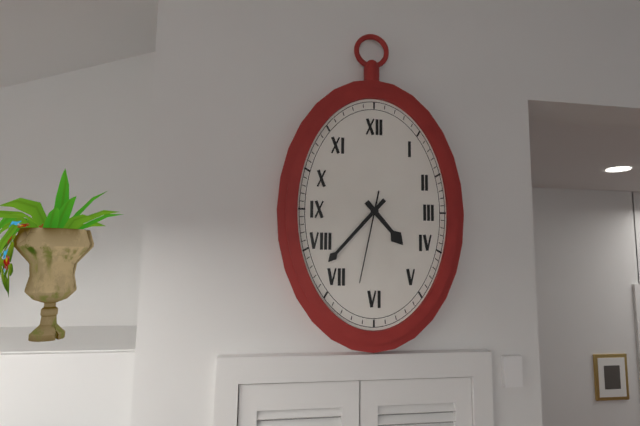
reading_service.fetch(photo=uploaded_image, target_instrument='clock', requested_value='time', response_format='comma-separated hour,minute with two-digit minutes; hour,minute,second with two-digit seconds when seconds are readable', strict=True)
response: 4,37,32
